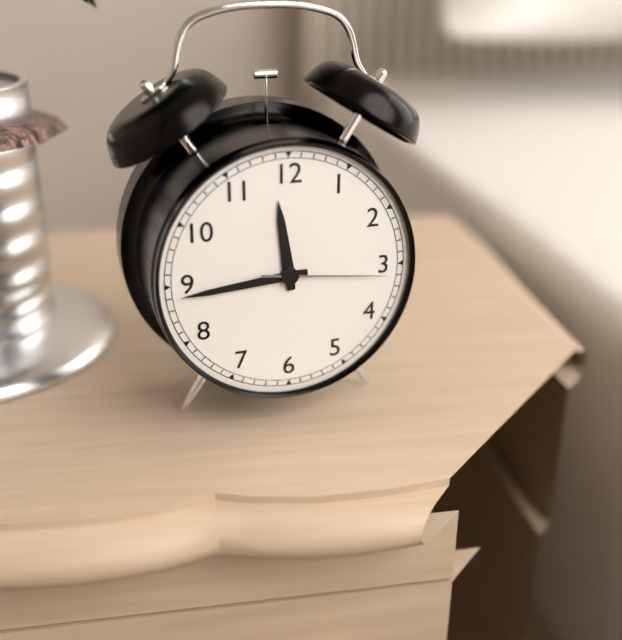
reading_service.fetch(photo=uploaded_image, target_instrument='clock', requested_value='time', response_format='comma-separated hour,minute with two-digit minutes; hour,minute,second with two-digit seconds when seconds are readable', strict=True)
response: 11,44,16
